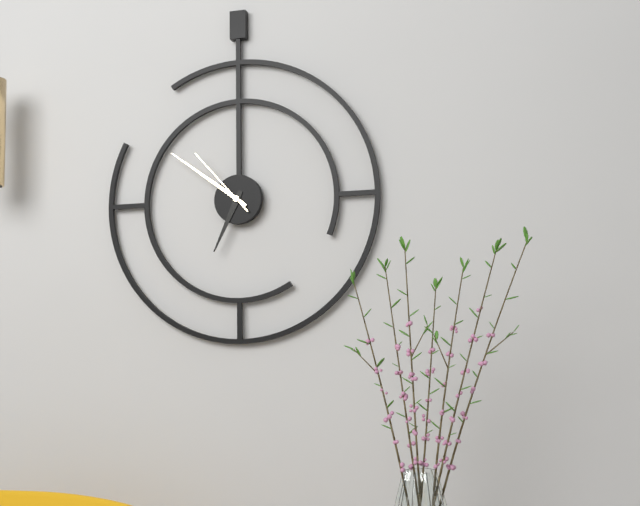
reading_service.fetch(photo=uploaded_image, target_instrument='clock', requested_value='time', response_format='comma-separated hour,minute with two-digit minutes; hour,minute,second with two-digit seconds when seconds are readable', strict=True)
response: 6,51,53
